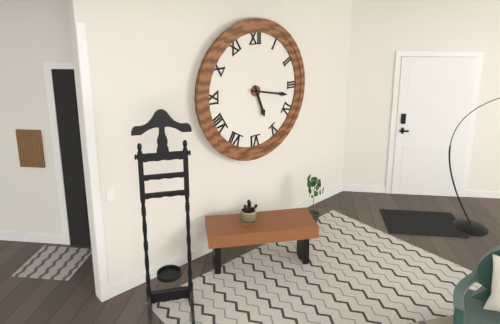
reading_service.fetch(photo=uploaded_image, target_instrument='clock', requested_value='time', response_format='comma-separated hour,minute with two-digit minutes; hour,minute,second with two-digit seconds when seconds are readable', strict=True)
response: 5,17
